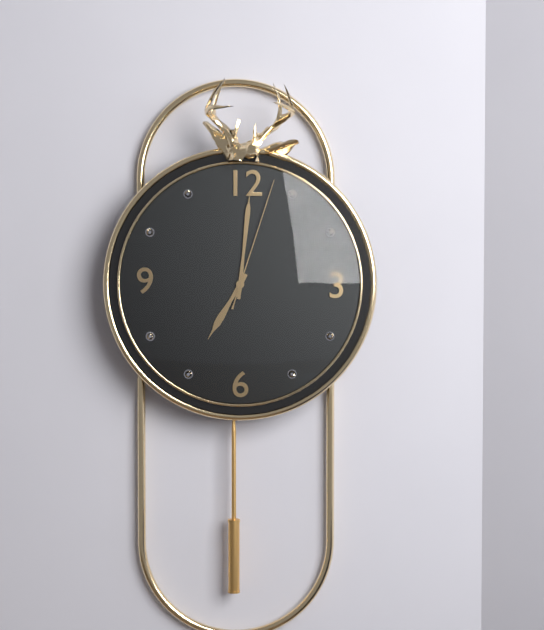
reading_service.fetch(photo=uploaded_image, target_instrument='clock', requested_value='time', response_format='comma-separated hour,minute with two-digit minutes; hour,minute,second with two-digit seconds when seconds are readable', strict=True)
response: 7,01,03
